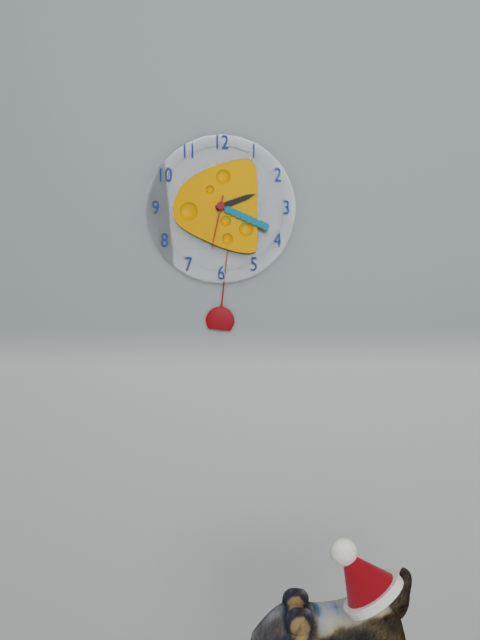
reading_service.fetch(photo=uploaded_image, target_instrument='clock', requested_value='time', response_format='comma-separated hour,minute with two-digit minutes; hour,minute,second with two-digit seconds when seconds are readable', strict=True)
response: 2,19,32
